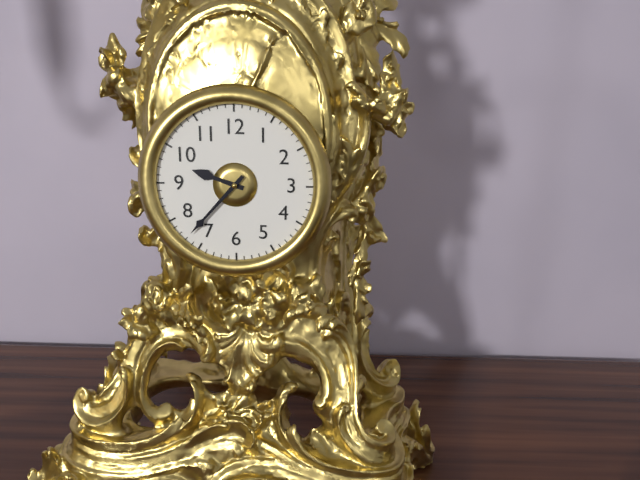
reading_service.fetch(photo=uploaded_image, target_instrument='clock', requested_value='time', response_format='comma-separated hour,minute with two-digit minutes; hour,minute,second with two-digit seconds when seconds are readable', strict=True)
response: 9,37
